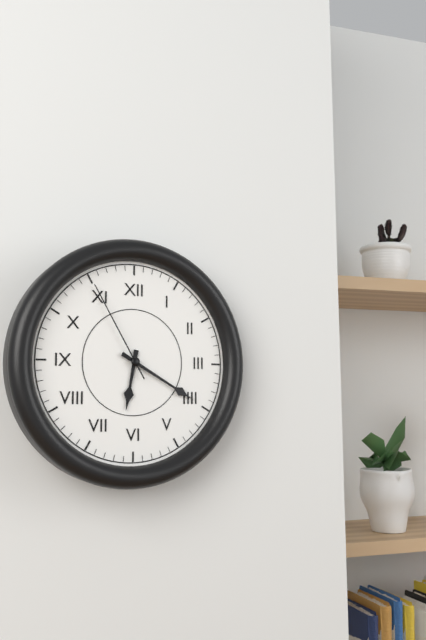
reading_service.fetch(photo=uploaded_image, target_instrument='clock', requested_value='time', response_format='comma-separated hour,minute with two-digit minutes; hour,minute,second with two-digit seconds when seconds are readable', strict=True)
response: 6,20,55
